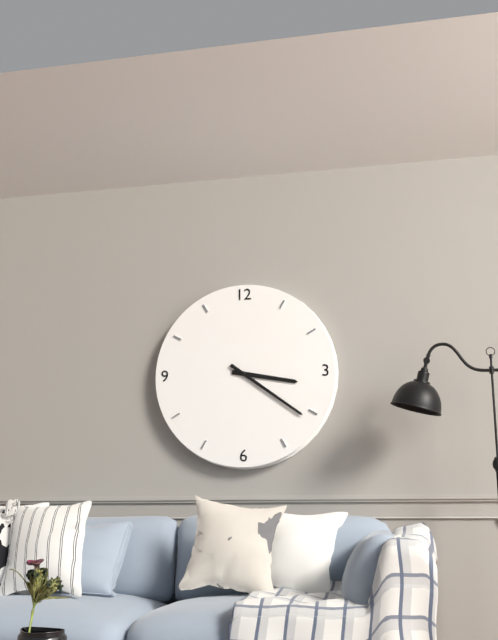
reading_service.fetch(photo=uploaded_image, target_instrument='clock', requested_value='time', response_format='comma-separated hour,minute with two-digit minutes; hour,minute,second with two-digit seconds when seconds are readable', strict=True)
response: 3,21
